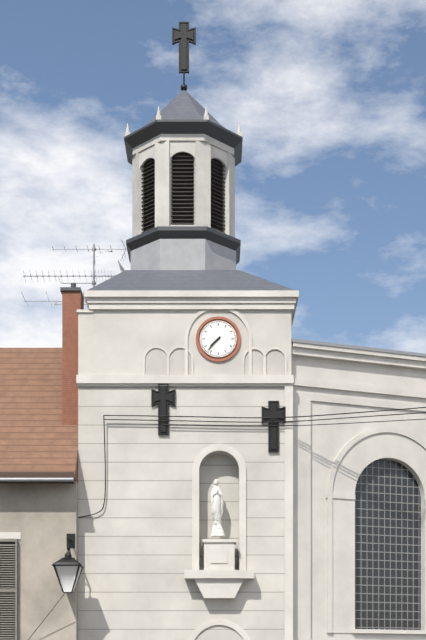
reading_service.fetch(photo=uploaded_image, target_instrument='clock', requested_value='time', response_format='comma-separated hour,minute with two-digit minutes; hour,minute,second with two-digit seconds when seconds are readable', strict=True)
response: 7,37
